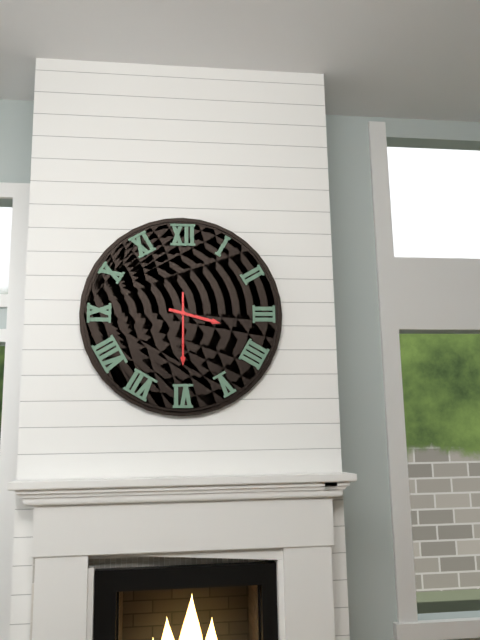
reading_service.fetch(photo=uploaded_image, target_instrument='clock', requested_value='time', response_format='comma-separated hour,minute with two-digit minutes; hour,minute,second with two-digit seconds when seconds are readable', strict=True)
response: 3,30
